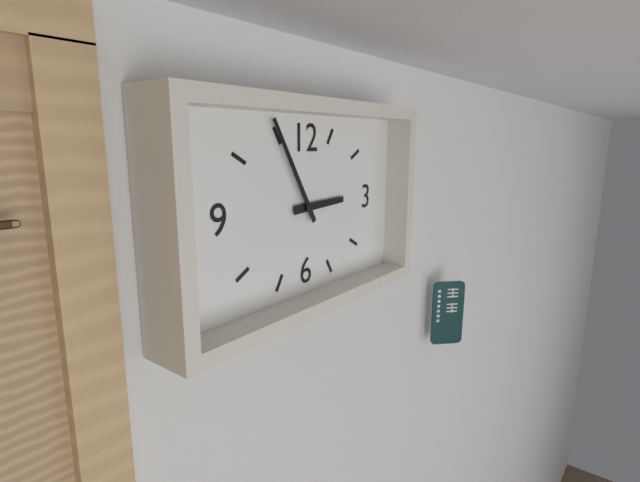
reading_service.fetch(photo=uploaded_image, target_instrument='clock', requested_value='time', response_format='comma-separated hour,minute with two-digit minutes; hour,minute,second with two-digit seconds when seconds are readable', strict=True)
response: 2,55
